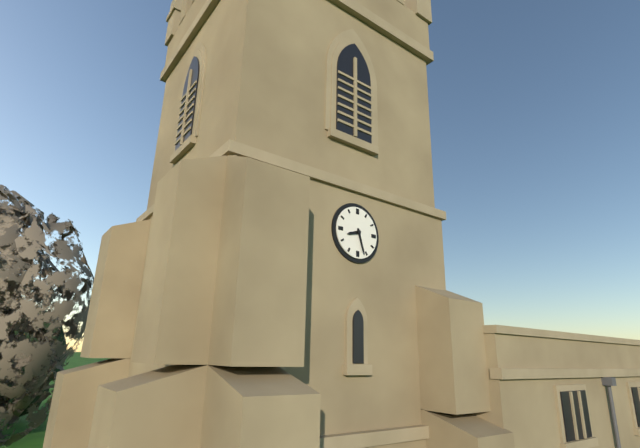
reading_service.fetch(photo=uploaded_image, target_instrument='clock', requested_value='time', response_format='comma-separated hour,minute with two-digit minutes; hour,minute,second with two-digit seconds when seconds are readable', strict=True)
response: 8,27
